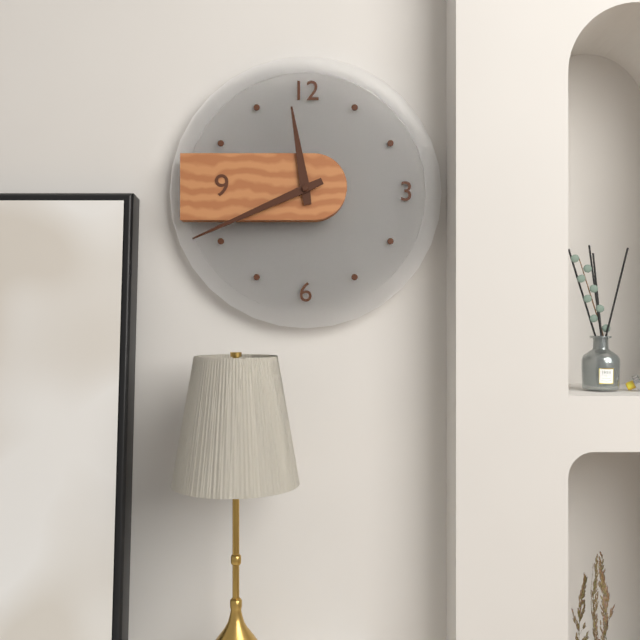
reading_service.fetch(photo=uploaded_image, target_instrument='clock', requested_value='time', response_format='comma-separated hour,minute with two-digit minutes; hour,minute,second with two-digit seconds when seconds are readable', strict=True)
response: 11,41
